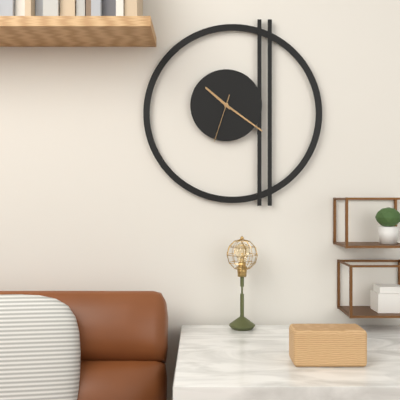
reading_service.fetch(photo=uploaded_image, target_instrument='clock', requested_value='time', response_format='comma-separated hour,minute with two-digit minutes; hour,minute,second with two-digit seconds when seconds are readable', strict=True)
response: 10,21
